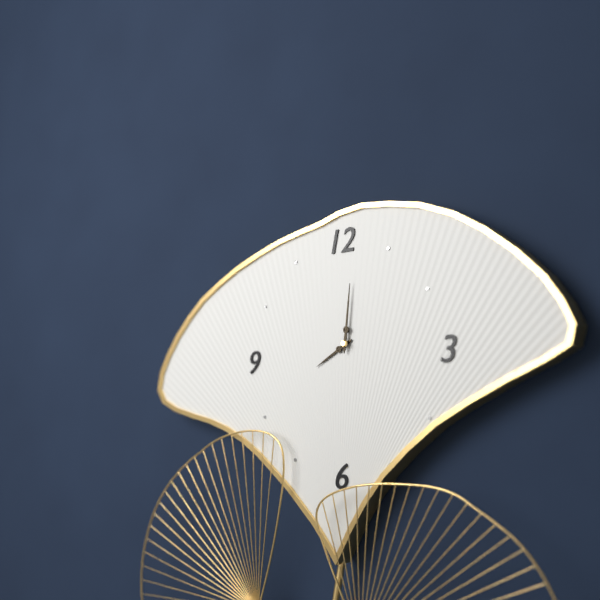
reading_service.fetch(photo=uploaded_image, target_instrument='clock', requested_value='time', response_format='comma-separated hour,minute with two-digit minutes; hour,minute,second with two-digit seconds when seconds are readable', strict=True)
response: 8,01
